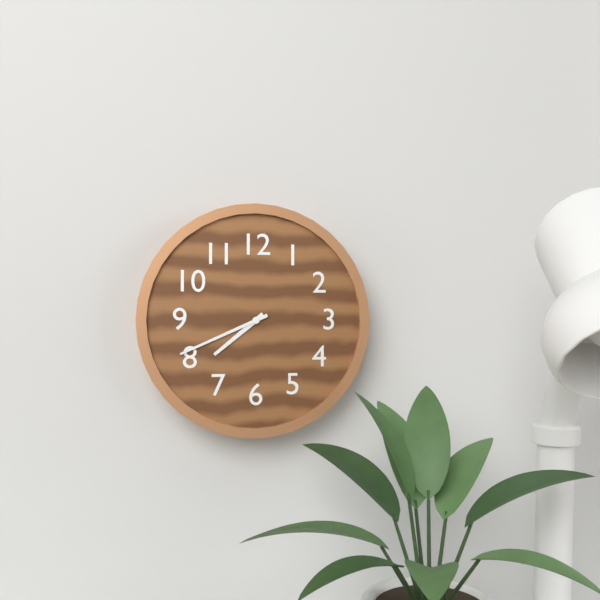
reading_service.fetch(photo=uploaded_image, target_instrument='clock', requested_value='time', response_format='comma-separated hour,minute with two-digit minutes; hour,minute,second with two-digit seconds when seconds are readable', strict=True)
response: 7,41
